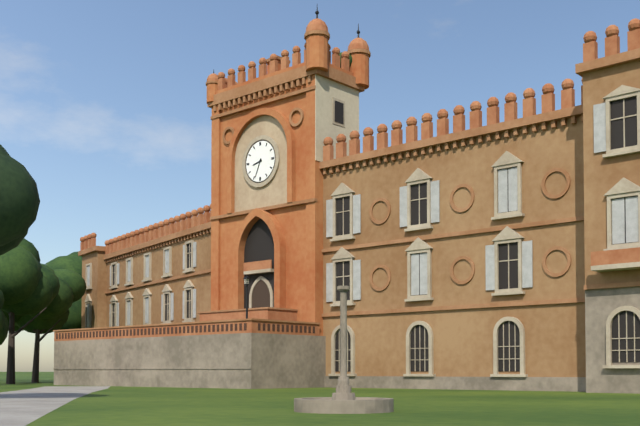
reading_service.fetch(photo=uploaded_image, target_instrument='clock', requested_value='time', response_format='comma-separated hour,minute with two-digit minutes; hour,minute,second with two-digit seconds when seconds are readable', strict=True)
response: 8,34
